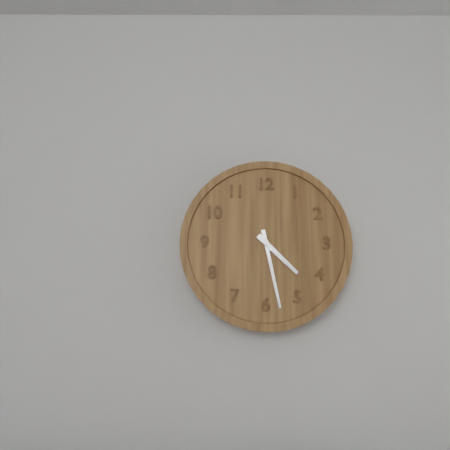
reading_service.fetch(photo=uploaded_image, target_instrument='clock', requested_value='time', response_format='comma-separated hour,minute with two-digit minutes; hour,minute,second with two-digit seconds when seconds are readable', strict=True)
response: 4,28
